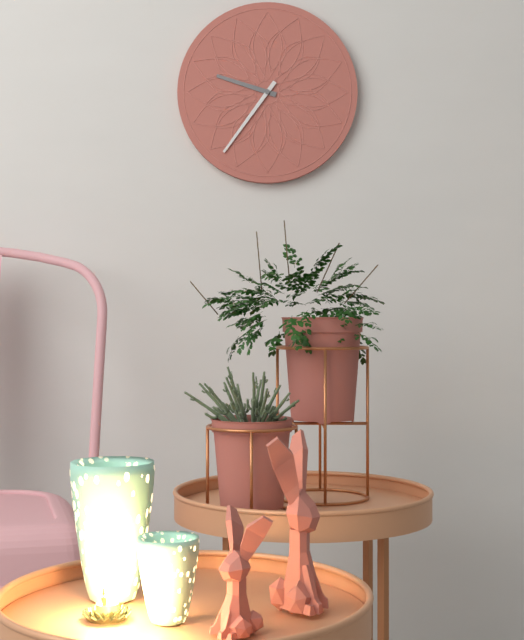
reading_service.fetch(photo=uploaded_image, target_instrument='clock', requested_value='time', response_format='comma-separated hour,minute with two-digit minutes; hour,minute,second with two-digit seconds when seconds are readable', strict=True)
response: 9,36
